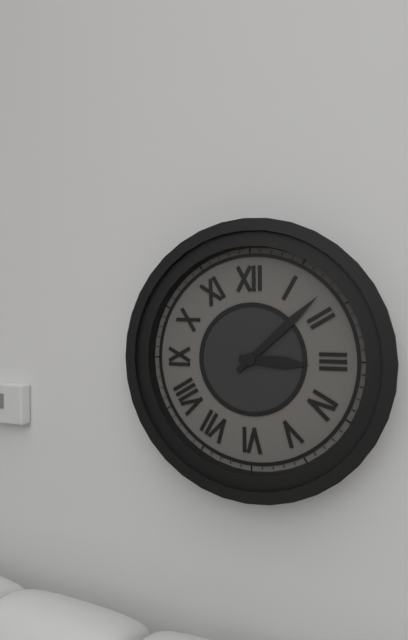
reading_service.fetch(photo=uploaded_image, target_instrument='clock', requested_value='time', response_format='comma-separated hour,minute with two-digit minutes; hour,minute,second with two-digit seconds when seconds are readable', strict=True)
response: 3,08
